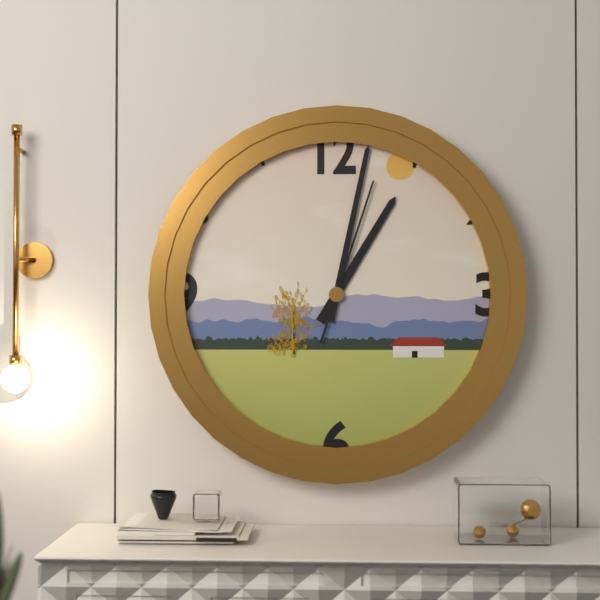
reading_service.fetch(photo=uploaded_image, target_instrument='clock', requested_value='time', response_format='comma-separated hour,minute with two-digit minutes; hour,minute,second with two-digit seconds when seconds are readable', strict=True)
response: 1,02,03
